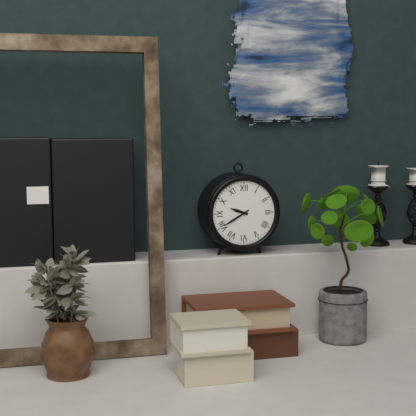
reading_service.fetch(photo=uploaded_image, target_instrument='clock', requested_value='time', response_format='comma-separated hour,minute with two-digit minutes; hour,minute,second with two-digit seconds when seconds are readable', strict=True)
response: 9,40
